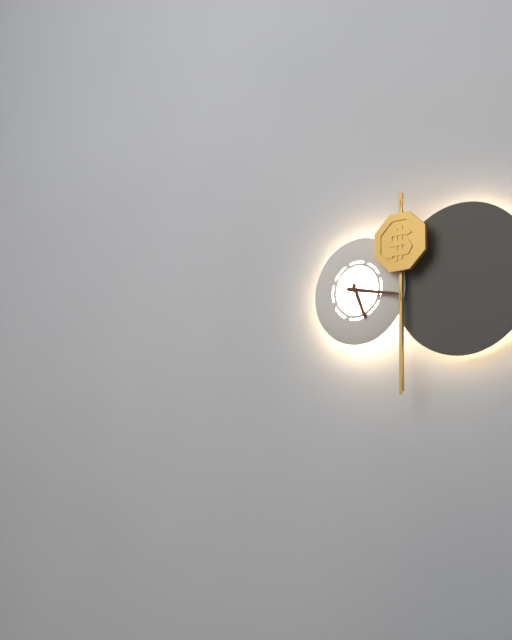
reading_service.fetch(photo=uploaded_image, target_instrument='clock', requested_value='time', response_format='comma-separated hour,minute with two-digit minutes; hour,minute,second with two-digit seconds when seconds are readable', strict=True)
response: 5,17
